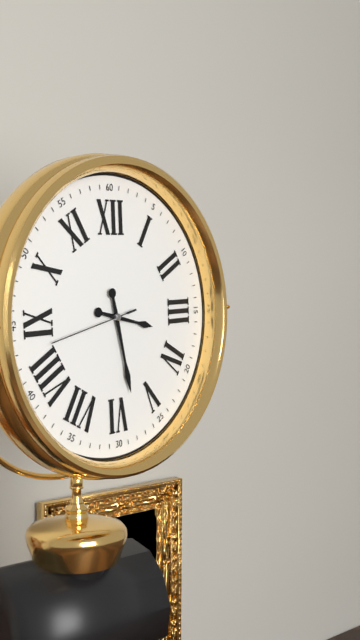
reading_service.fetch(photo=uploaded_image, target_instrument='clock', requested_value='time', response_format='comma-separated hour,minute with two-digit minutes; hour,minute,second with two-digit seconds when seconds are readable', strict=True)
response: 3,28,43
